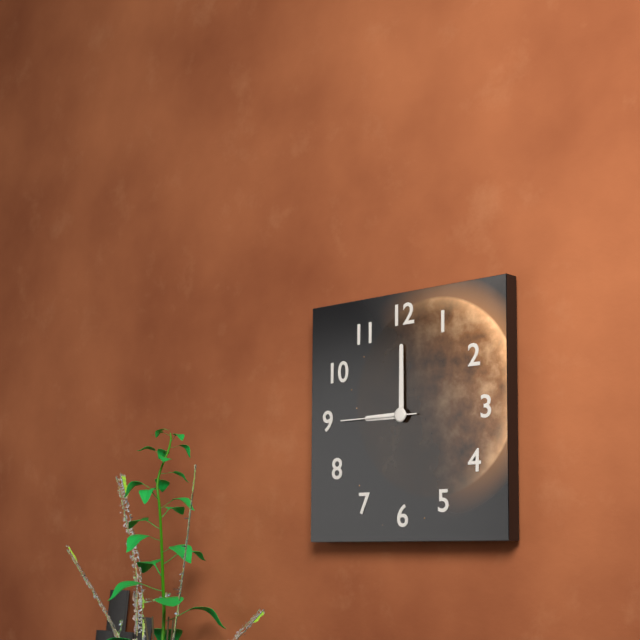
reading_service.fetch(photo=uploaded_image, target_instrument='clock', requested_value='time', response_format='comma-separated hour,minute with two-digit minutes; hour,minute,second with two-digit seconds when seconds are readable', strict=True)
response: 9,00,45
